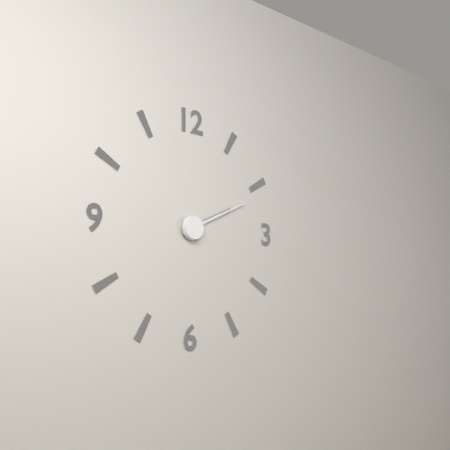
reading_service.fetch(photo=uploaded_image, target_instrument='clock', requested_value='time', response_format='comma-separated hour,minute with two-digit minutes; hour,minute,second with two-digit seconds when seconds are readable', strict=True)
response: 2,11
